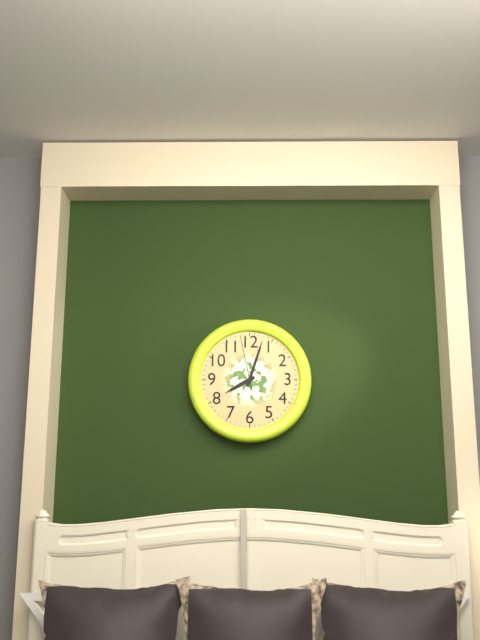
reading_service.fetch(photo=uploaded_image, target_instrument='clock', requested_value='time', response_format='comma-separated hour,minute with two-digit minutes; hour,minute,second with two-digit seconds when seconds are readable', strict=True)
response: 8,03,58
